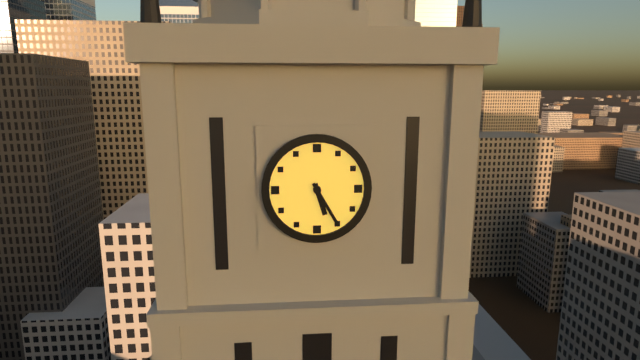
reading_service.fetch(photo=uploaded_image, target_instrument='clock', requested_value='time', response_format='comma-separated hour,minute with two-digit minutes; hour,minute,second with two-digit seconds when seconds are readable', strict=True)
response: 5,25
